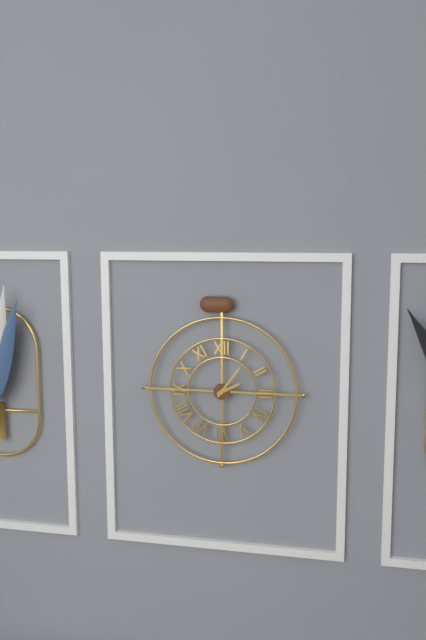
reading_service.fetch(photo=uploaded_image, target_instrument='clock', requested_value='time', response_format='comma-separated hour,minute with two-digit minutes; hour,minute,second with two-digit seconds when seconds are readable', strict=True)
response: 2,06
